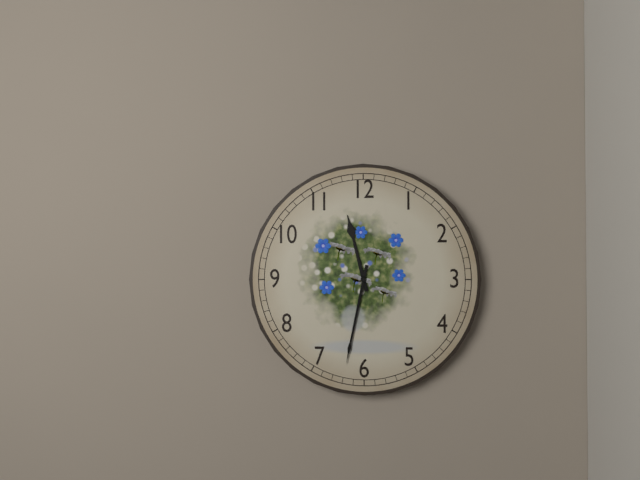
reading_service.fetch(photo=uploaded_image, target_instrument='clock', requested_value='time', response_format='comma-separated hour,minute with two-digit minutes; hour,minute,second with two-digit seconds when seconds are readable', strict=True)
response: 11,32
